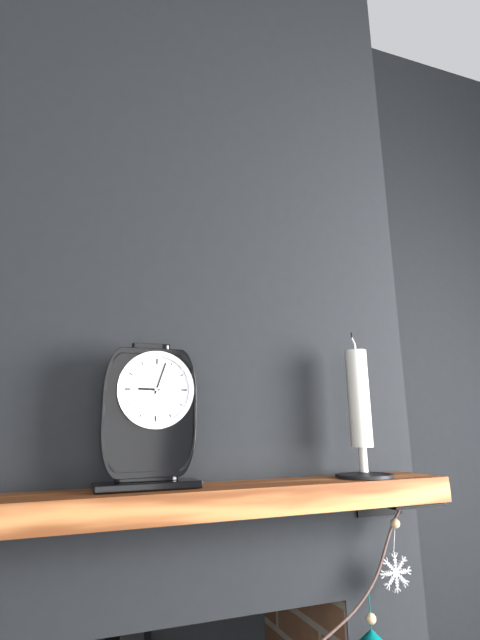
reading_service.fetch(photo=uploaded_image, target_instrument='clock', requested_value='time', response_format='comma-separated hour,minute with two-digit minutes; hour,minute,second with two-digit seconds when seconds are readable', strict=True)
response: 9,03
